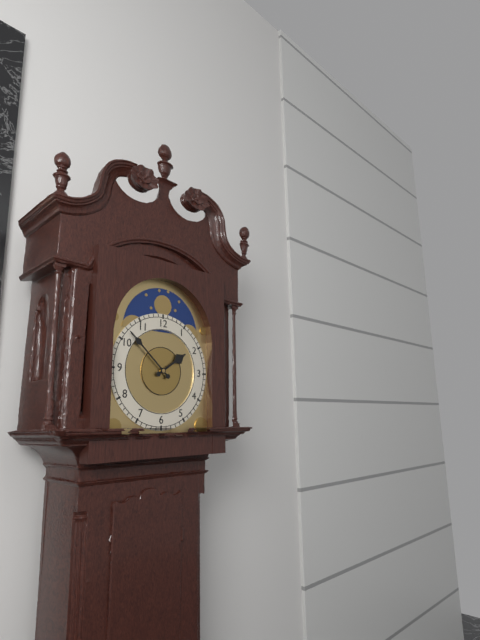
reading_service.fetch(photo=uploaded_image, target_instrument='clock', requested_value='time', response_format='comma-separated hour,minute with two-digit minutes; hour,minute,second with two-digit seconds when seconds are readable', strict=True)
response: 1,52
